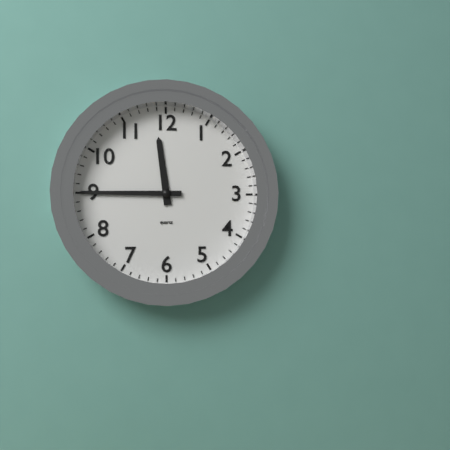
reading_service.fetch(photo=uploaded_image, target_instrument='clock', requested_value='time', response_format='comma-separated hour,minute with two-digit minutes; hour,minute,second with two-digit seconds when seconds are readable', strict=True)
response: 11,45
